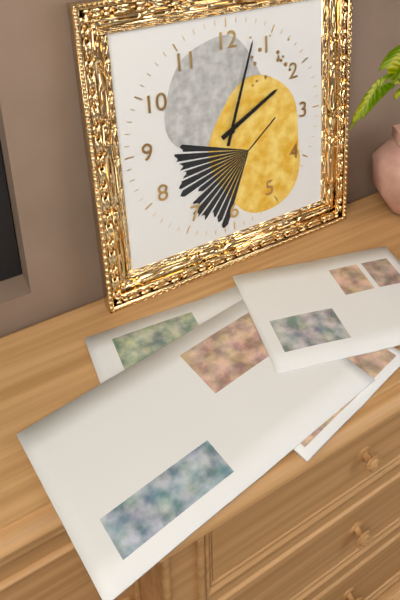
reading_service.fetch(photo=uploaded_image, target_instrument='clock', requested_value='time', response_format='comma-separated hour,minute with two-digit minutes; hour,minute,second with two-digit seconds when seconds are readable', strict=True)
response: 2,03
